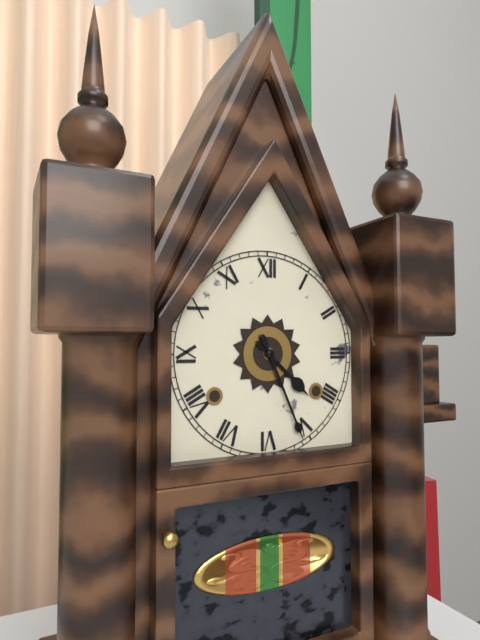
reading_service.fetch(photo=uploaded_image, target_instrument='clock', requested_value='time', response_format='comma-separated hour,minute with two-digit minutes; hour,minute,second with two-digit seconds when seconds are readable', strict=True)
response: 4,26
